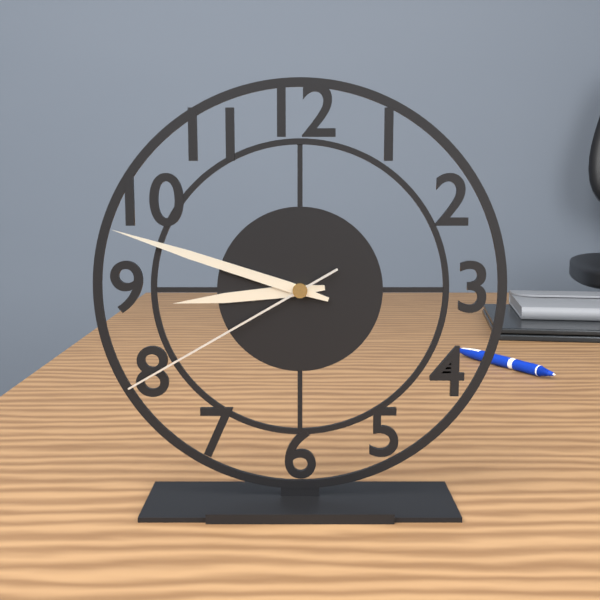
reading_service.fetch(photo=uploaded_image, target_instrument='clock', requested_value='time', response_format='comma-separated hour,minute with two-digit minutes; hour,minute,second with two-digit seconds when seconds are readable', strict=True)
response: 8,48,40
